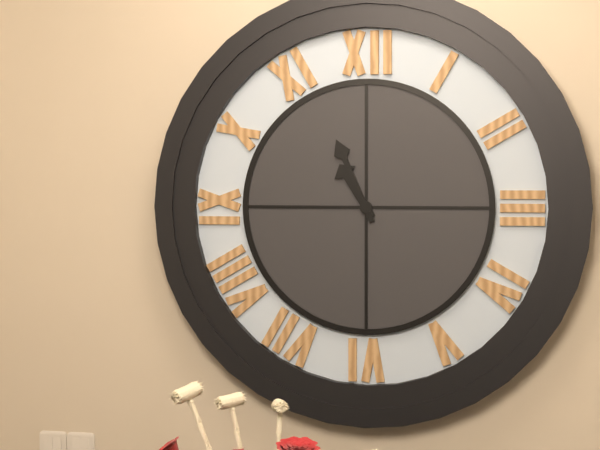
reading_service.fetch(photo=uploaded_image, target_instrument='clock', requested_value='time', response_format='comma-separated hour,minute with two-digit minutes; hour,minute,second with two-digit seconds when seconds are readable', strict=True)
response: 10,56
